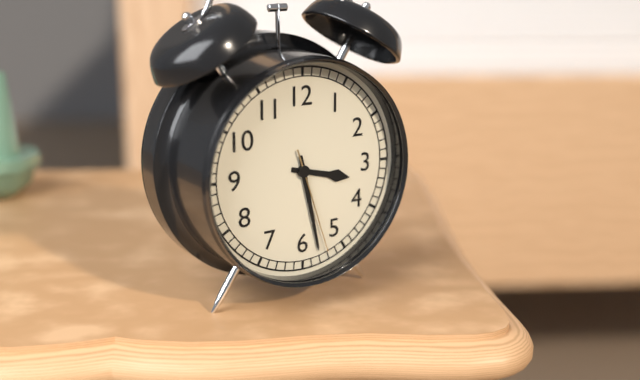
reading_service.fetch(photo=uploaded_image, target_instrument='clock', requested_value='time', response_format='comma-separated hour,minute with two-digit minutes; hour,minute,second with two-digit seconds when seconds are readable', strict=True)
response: 3,28,27
